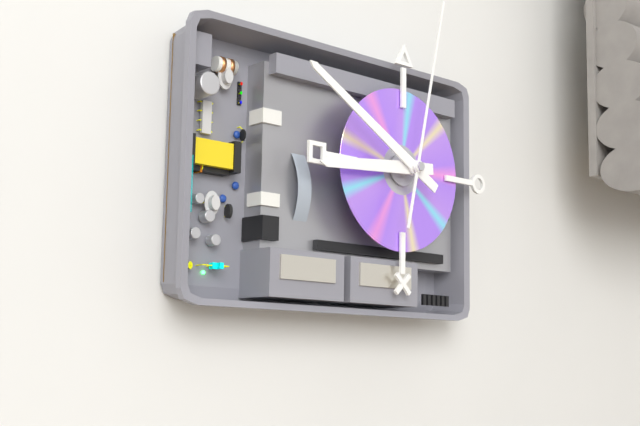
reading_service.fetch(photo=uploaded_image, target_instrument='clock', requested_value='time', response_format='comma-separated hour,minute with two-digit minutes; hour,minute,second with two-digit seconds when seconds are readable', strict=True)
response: 8,50,02
